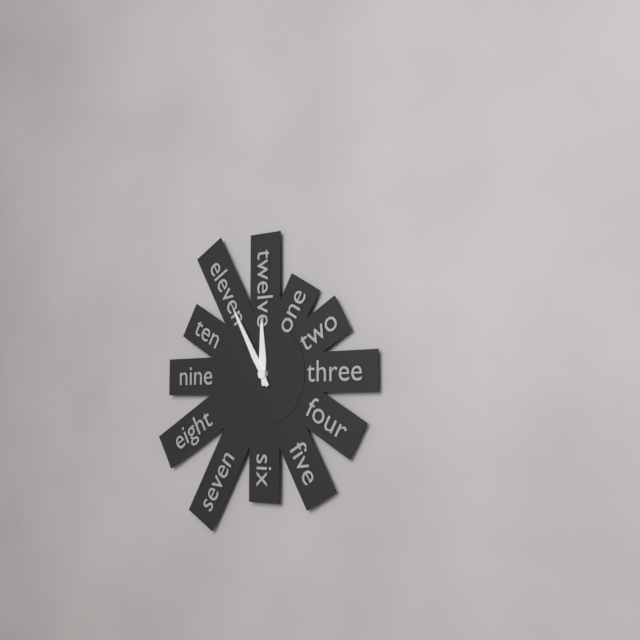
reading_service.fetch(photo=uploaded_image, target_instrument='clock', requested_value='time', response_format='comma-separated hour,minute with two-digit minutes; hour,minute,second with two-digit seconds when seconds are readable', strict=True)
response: 11,55
